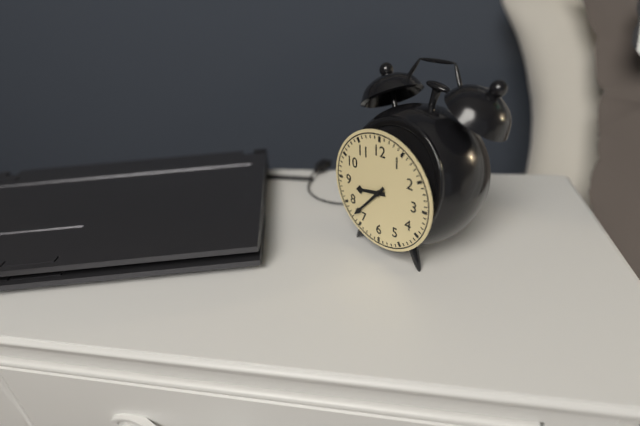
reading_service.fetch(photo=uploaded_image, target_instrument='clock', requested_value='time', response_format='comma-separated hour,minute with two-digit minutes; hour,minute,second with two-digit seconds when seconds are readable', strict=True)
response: 8,37
